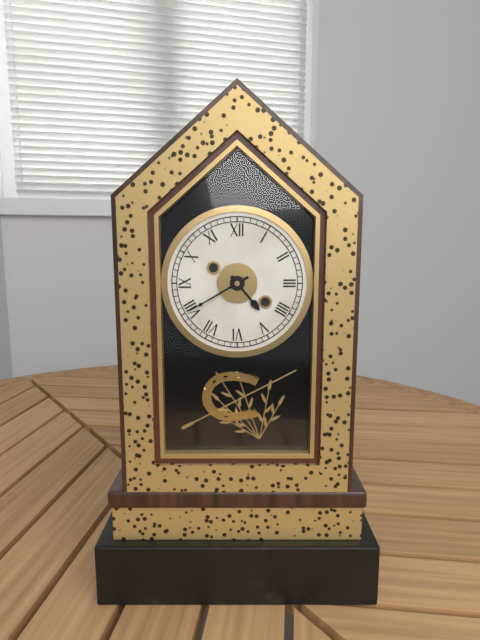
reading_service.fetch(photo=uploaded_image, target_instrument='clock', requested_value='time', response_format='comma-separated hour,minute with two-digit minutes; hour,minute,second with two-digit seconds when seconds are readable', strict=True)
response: 4,40
